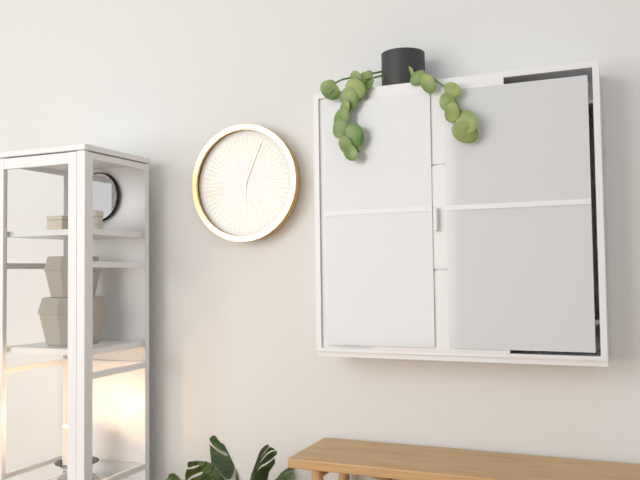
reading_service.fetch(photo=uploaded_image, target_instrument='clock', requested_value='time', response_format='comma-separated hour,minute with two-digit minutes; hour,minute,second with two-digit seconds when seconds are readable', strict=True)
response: 6,04
